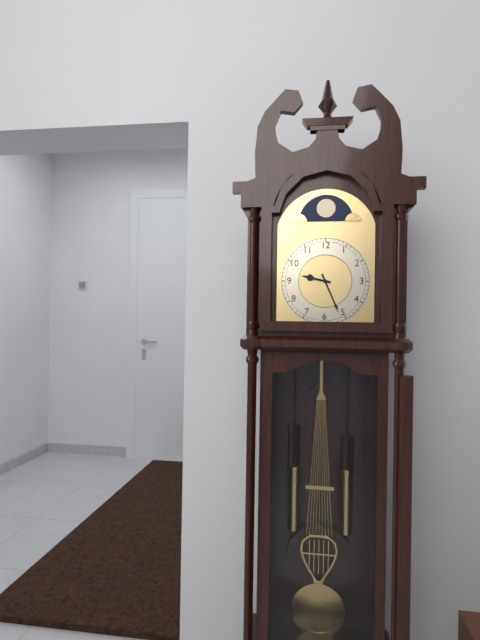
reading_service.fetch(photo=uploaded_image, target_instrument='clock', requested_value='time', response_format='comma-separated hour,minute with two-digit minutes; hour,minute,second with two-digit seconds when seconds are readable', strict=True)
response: 9,26
